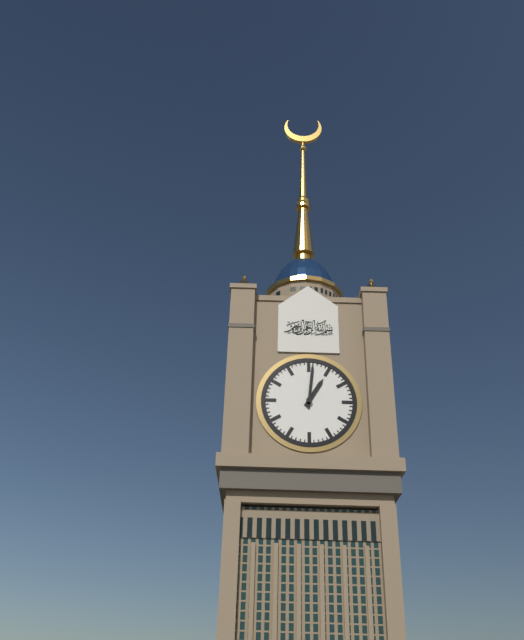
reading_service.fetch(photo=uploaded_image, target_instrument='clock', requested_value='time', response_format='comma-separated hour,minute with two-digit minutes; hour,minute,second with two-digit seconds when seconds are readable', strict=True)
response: 1,01
